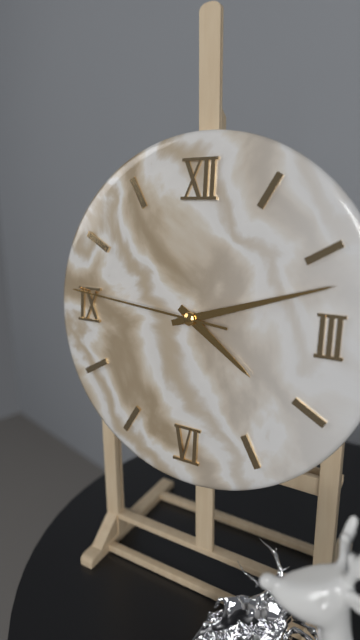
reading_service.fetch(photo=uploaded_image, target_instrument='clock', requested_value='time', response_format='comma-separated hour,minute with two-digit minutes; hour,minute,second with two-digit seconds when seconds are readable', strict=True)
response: 4,12,46
